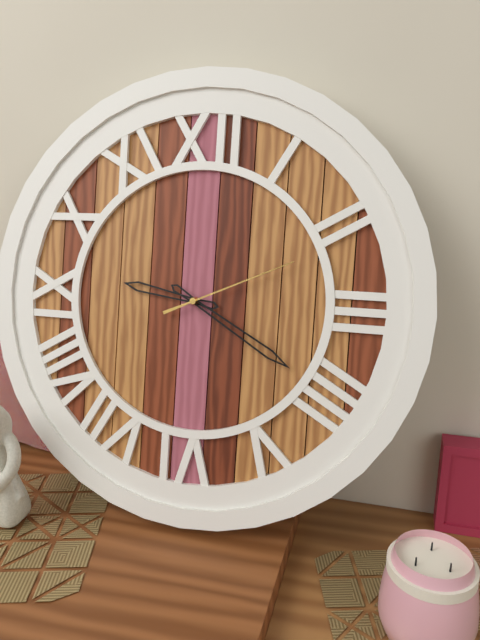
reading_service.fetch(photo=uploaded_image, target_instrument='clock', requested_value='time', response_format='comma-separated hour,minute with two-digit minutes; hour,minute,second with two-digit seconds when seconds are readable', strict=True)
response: 9,20,11
